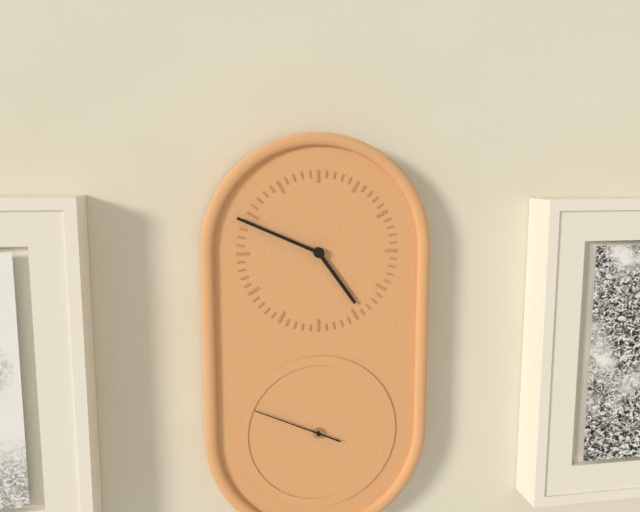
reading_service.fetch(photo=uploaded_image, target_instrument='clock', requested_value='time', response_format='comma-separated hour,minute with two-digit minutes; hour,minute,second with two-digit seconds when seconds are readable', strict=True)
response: 4,49,49
